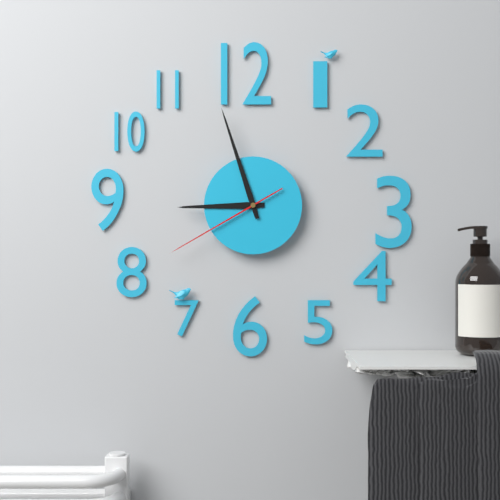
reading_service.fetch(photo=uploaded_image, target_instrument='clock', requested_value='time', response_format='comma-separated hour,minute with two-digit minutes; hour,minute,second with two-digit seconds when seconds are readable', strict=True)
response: 8,57,40
